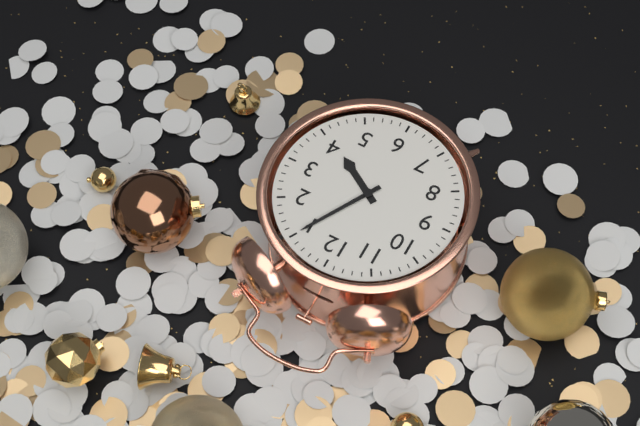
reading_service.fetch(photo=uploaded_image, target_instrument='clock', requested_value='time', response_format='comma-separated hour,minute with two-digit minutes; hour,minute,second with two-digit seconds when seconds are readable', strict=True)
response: 4,05
